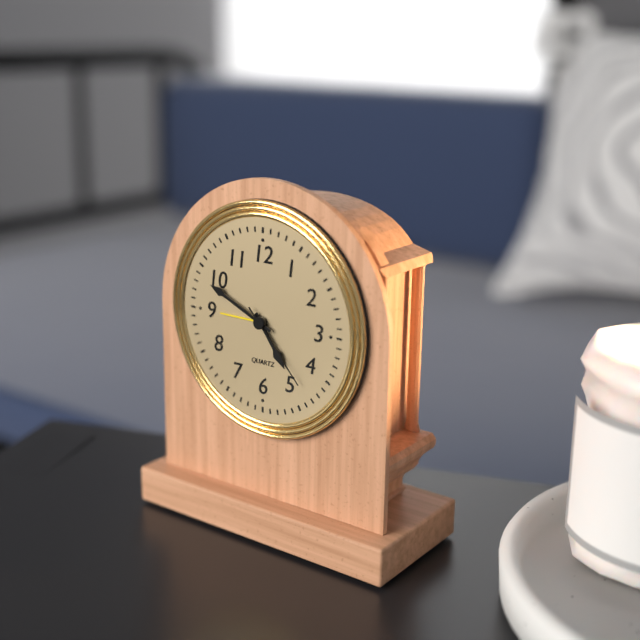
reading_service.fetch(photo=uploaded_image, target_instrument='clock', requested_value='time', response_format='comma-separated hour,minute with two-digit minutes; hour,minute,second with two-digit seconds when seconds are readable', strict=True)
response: 4,49,23
